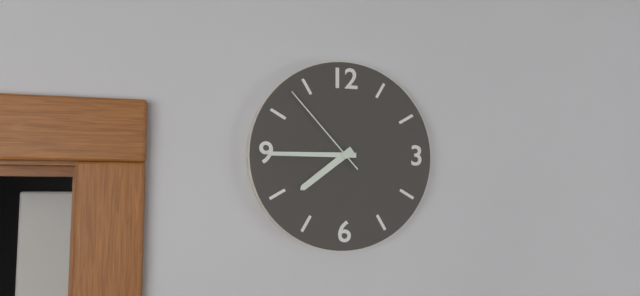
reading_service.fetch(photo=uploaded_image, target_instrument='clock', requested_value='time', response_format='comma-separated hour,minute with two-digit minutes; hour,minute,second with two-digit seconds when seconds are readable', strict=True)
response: 7,45,53
